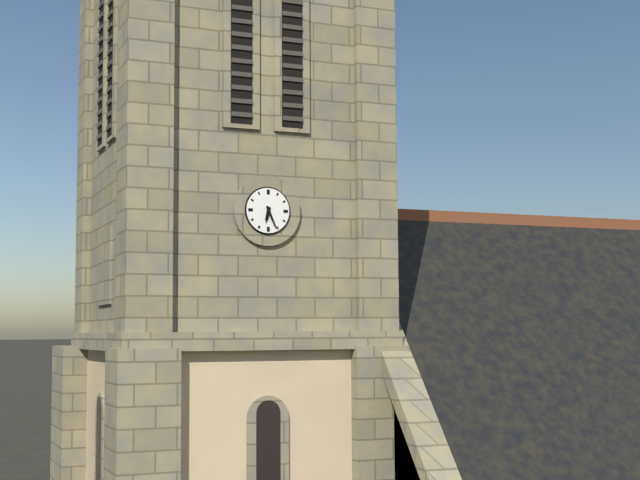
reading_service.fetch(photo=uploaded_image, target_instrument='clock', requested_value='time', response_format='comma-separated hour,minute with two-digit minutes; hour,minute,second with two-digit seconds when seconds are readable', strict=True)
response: 6,26
